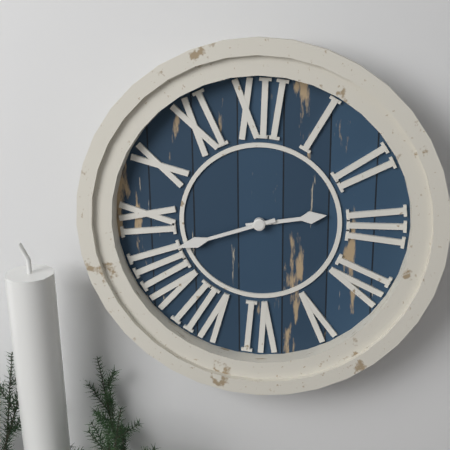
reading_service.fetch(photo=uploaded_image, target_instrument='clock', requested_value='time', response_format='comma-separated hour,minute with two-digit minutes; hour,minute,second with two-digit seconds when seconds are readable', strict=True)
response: 2,42
